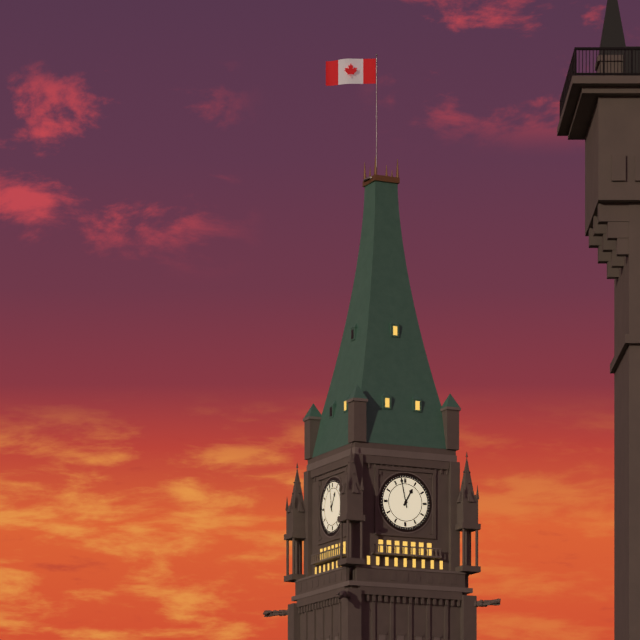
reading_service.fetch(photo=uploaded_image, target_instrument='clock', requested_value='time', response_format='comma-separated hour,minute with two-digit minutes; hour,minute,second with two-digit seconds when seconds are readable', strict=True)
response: 12,58
